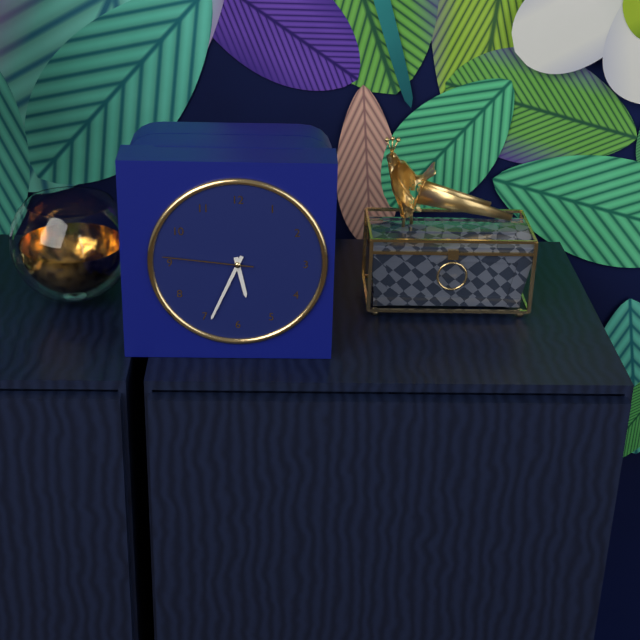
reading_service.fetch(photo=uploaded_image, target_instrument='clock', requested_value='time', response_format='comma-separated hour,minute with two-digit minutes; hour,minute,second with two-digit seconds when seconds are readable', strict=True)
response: 5,34,46
